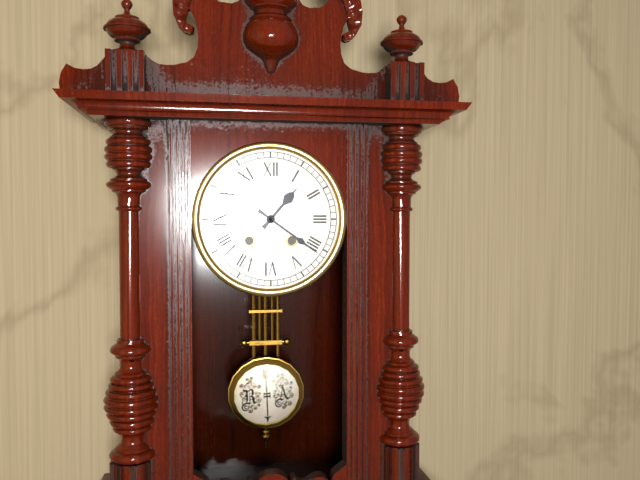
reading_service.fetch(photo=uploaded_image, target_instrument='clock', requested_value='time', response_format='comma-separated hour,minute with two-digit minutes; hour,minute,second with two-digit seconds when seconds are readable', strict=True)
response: 1,21
